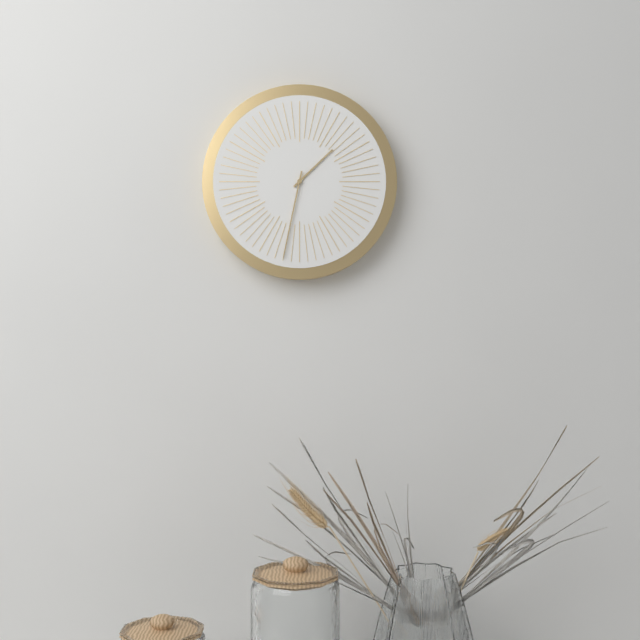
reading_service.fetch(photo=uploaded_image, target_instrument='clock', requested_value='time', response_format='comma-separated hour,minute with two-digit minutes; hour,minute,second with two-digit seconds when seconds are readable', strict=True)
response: 1,32
